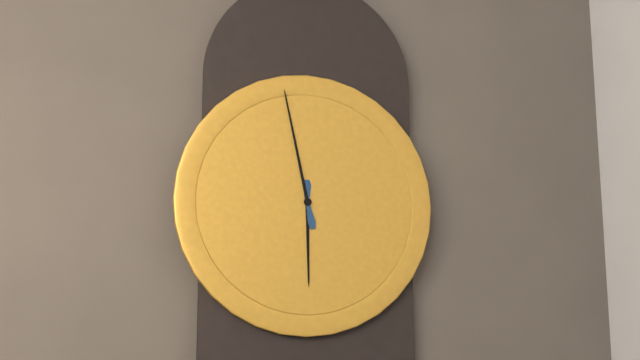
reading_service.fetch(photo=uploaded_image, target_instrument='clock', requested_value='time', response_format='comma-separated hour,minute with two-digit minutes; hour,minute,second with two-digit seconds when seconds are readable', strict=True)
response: 5,58
